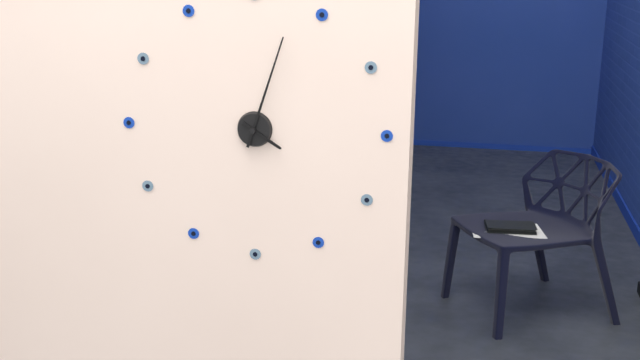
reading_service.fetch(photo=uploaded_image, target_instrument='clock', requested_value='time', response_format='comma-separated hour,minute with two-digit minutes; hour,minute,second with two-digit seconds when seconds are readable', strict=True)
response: 4,03
